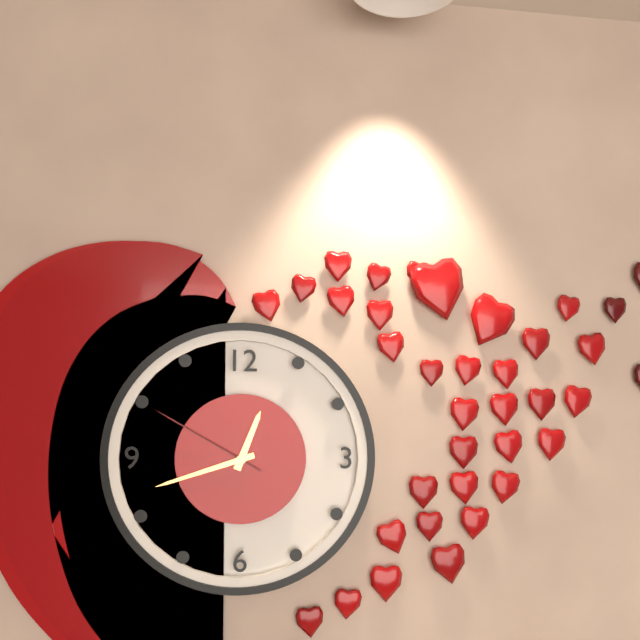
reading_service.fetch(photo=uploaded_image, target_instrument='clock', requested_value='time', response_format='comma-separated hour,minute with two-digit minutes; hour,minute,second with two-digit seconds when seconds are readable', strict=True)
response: 12,42,50
